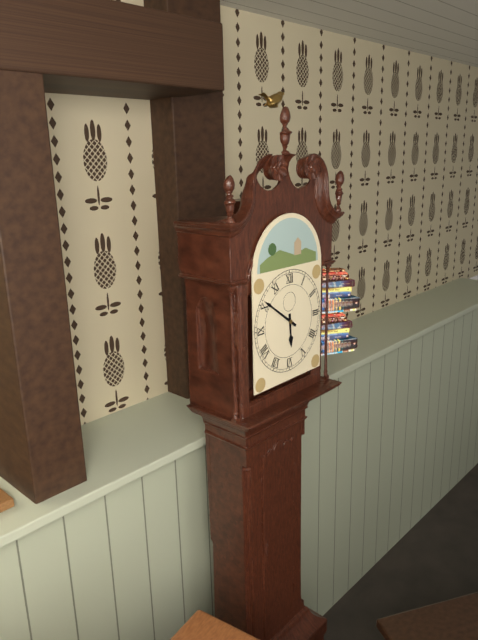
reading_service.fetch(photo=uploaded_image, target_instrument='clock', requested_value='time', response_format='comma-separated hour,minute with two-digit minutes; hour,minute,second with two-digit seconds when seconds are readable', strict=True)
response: 5,51
